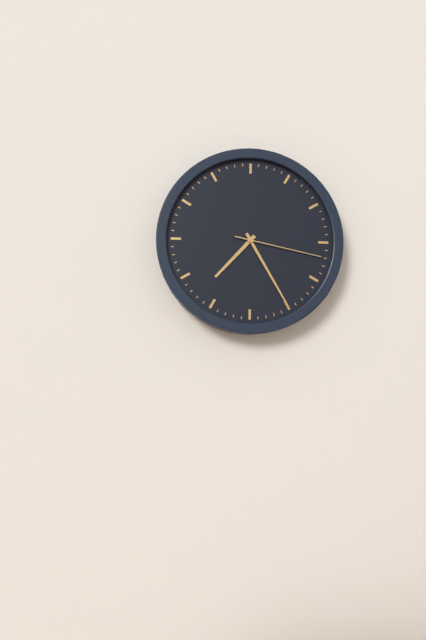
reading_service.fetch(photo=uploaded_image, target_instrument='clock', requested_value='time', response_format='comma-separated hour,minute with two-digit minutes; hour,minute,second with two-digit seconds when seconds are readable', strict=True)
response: 7,25,17
